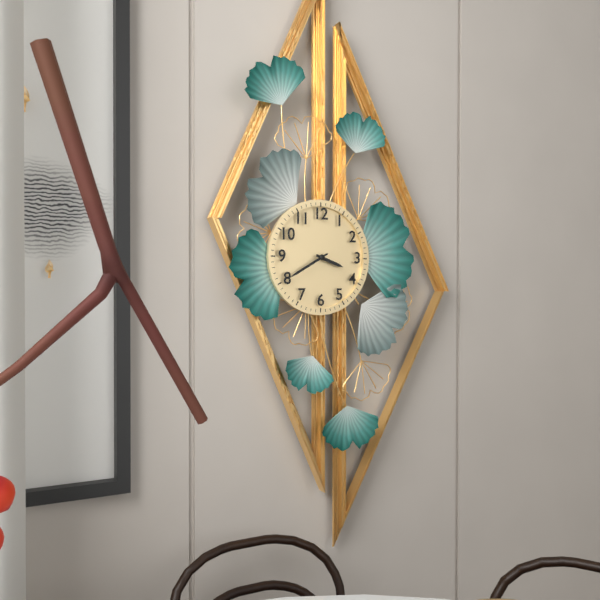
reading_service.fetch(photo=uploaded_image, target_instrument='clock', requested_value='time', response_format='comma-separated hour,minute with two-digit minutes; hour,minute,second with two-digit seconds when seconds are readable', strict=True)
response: 3,40
